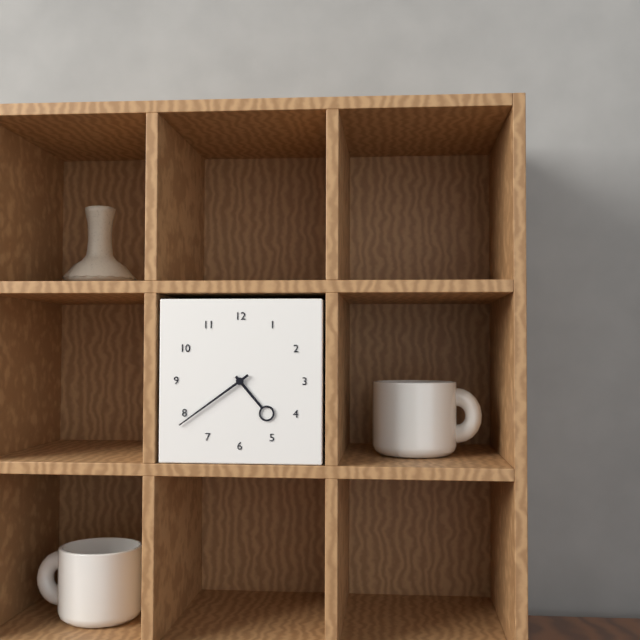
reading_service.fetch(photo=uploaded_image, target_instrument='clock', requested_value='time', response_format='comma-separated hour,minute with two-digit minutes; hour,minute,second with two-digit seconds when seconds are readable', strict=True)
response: 4,39
